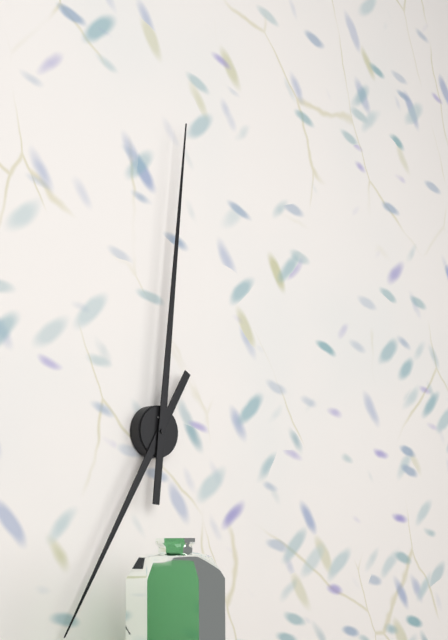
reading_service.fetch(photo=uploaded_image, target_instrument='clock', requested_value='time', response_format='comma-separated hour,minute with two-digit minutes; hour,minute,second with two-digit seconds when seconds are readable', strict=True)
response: 7,01
